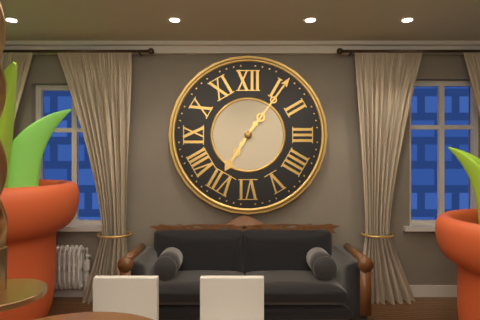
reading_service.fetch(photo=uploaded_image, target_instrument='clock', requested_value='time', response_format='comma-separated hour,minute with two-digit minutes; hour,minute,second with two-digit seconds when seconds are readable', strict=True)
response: 7,06
